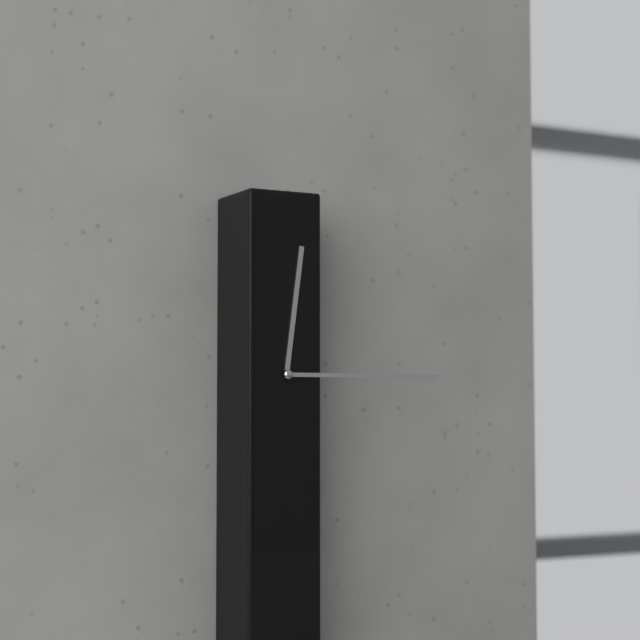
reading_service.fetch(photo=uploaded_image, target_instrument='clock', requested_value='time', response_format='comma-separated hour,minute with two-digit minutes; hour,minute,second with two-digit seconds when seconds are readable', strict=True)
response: 12,15
